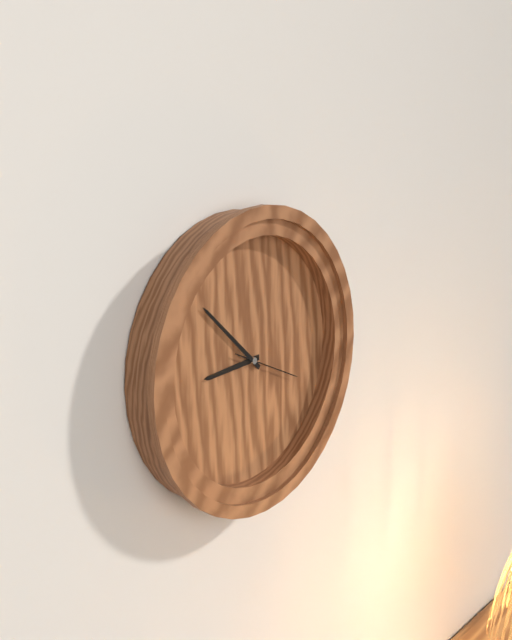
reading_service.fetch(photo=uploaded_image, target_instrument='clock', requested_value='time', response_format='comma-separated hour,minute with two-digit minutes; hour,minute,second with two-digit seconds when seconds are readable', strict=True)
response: 8,52,19
